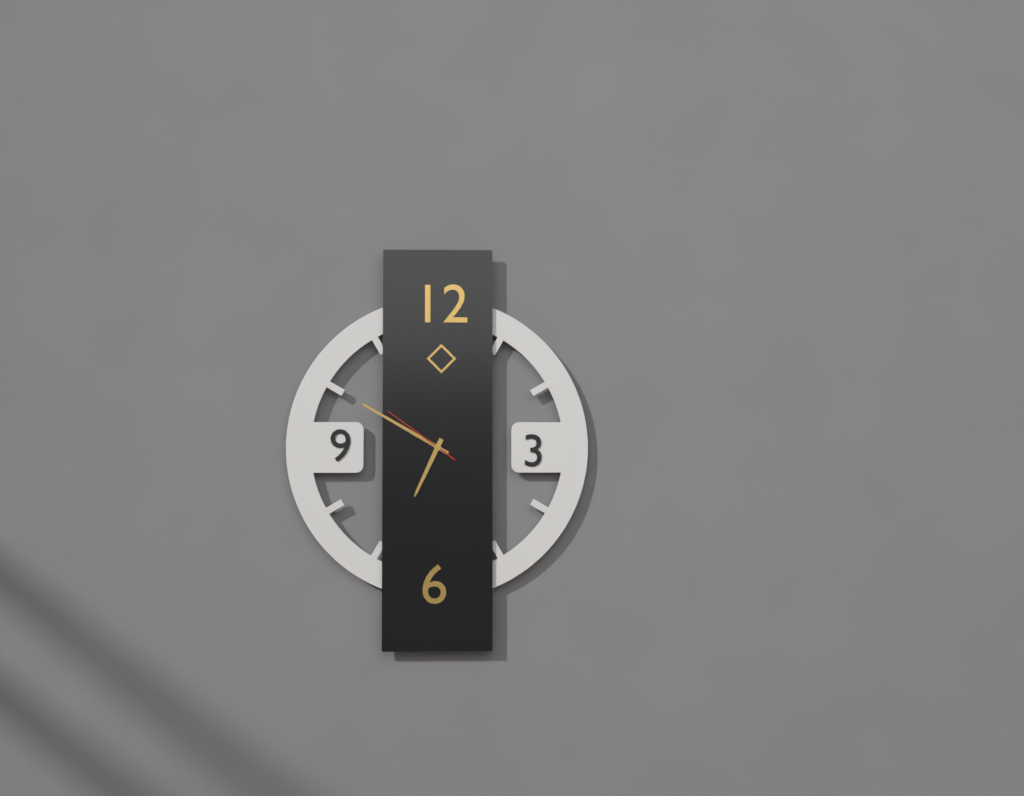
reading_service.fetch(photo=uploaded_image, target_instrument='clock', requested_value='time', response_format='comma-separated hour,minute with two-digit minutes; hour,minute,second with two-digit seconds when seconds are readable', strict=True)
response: 6,50,51
